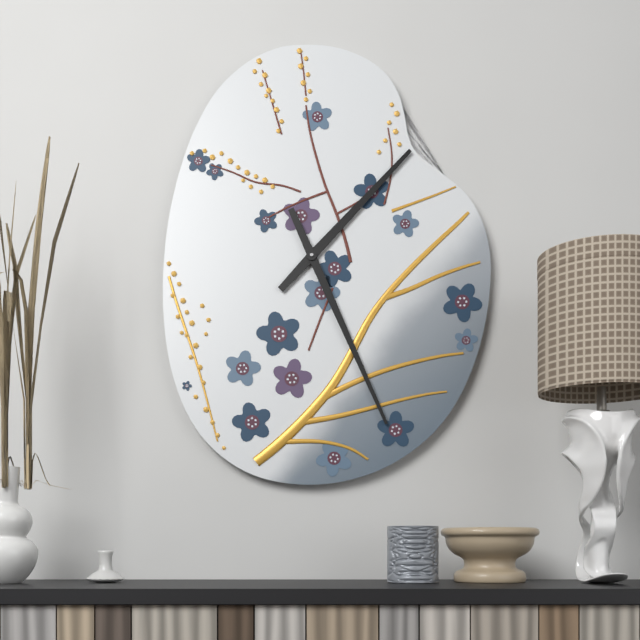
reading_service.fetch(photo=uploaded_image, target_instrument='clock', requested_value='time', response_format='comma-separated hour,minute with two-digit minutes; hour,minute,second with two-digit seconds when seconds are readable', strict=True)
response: 1,26
